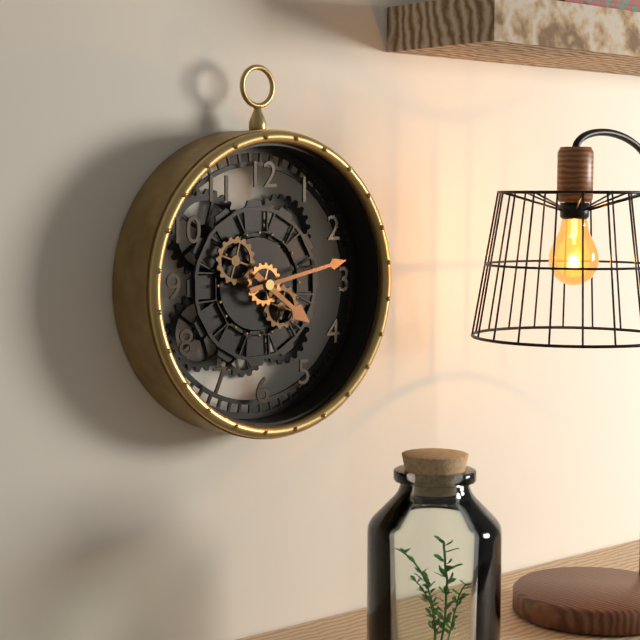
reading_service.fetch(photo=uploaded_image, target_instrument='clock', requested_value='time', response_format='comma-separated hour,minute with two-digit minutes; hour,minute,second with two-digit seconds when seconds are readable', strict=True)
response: 4,13
